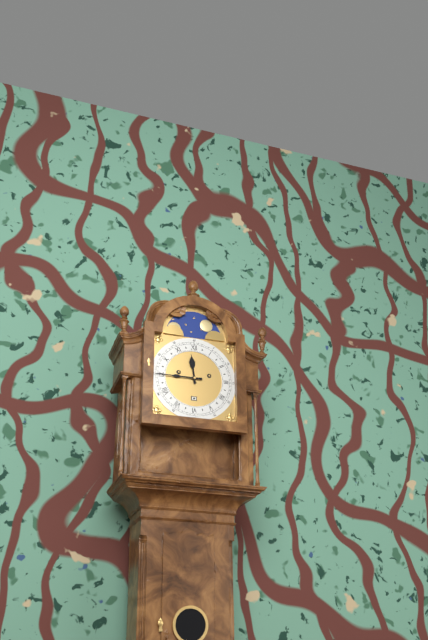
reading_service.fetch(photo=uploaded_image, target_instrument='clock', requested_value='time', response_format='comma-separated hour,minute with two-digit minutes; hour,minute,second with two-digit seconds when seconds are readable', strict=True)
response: 11,45
